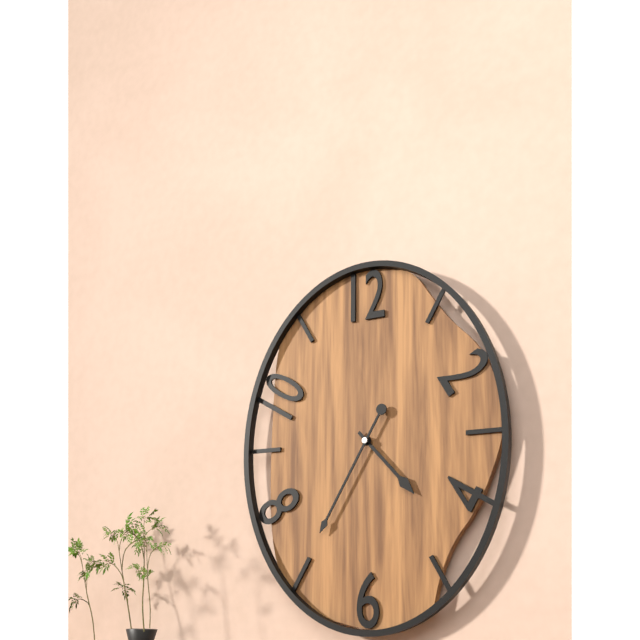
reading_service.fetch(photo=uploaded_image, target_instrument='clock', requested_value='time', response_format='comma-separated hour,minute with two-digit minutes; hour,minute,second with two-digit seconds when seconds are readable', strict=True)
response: 4,35
